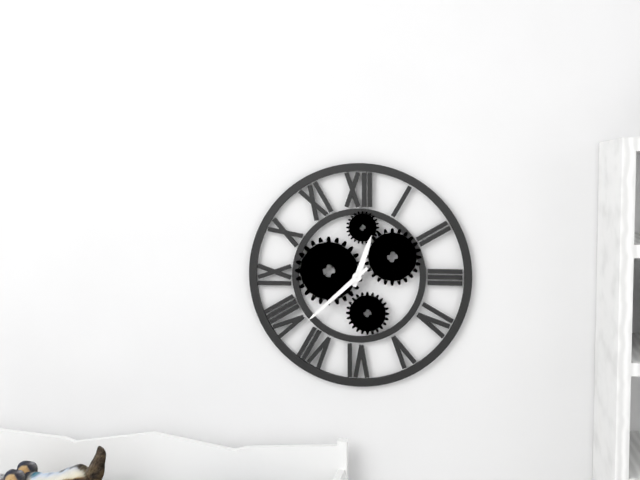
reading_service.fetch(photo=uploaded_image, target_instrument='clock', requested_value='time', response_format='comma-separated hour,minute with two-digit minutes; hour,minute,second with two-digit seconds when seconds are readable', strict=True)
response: 12,38
